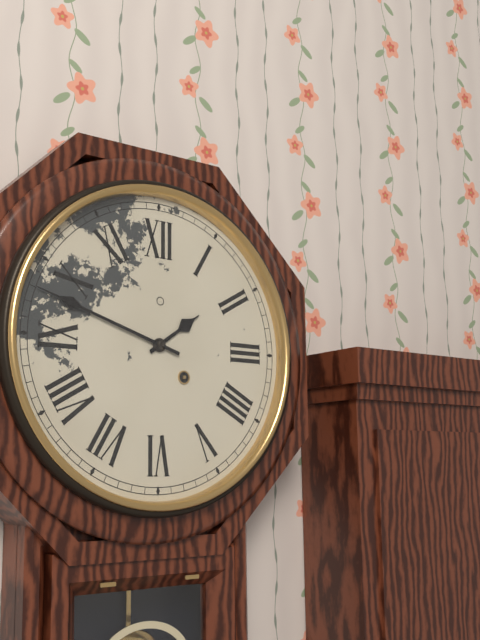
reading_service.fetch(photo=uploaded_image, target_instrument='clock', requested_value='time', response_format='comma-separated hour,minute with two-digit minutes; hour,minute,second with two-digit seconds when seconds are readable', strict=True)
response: 1,48
